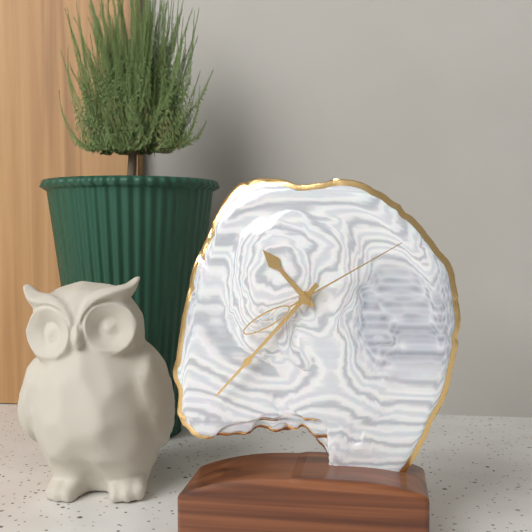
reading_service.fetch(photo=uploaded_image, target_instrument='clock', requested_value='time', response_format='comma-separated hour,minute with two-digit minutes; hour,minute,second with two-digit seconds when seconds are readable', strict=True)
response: 10,37,10
